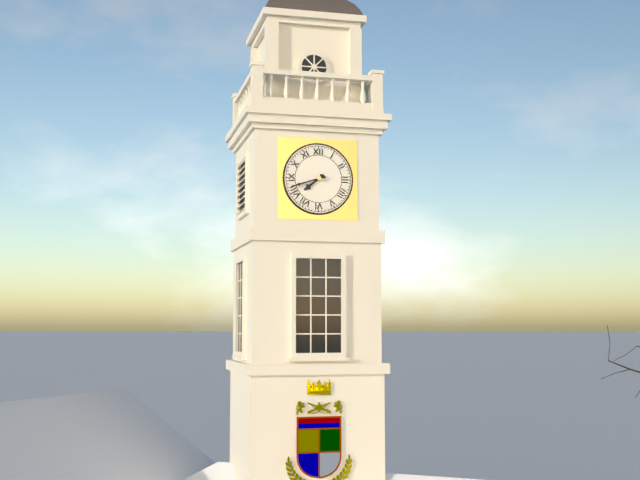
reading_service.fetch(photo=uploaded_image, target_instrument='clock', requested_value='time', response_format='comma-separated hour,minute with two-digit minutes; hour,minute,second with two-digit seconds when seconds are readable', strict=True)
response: 7,42
